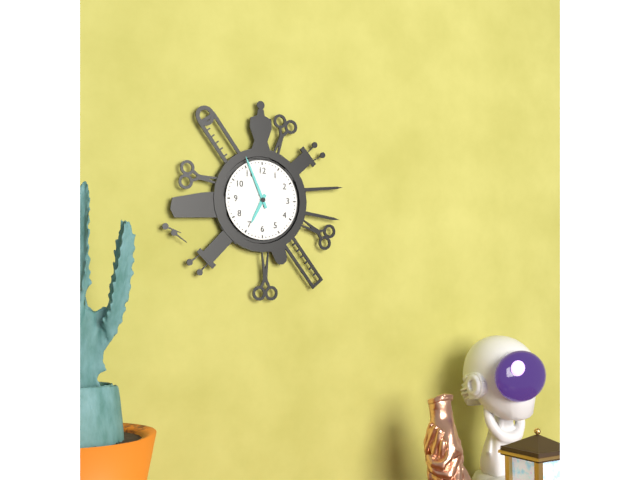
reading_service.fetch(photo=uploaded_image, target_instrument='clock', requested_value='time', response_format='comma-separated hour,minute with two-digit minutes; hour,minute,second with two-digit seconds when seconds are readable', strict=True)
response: 6,56
